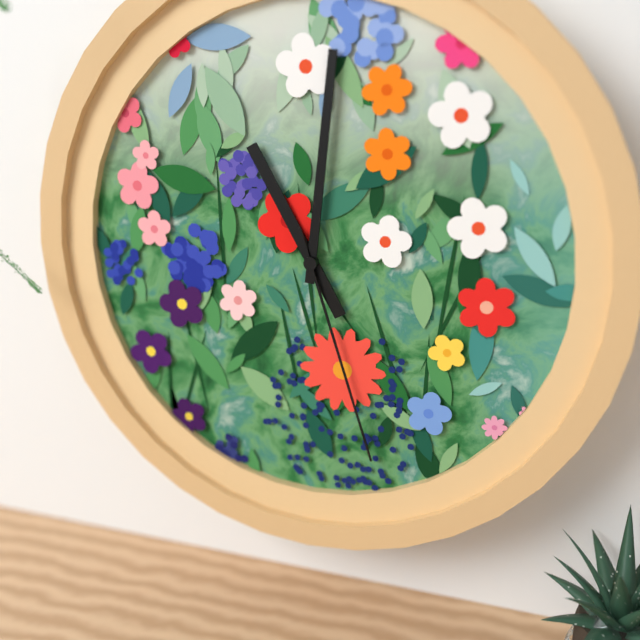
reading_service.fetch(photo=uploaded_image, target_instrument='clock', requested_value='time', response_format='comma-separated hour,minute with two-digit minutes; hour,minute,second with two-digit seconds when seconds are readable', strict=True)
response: 11,01,27
